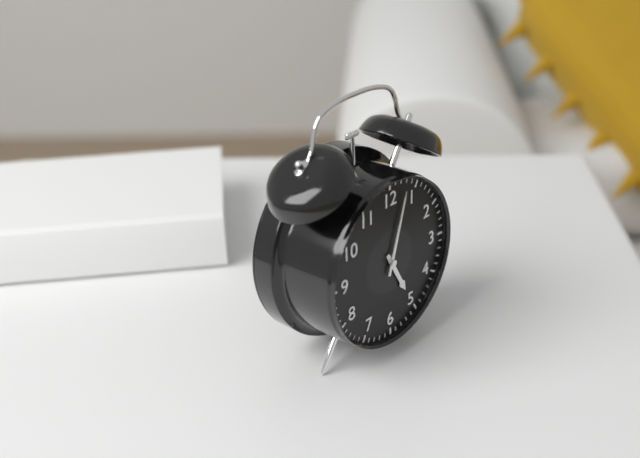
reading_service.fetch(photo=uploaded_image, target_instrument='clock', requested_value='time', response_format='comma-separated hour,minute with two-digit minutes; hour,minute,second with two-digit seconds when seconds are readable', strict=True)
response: 5,03
